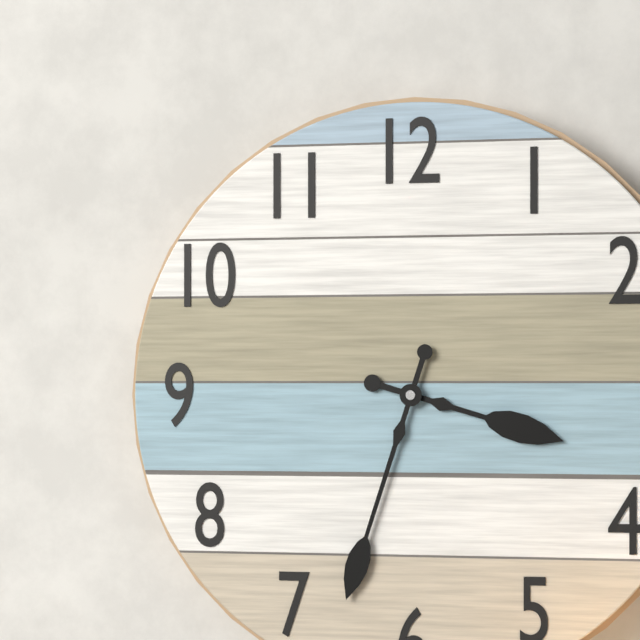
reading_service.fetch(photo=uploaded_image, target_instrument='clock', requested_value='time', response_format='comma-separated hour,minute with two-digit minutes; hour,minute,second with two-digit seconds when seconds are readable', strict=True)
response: 3,33
